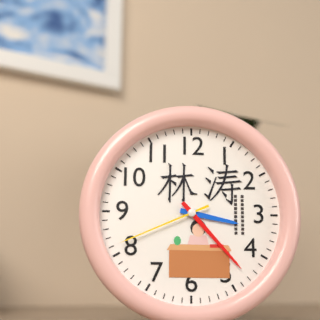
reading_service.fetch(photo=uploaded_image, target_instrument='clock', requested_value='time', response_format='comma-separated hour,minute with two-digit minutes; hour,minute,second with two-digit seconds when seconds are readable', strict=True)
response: 3,23,41
